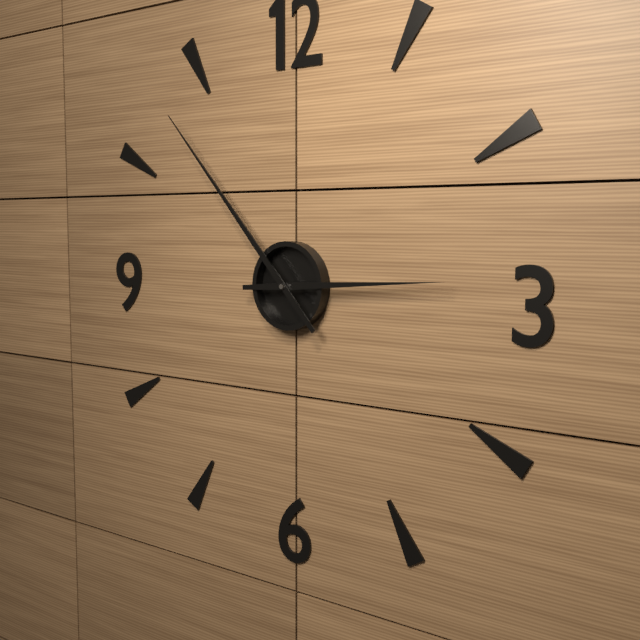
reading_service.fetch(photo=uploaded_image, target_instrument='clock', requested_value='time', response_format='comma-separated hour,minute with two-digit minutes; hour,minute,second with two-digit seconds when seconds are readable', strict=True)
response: 2,53
